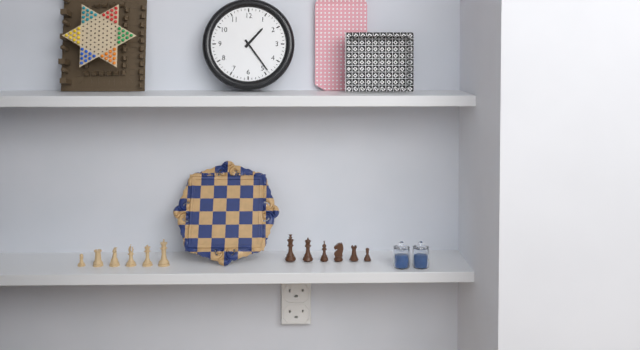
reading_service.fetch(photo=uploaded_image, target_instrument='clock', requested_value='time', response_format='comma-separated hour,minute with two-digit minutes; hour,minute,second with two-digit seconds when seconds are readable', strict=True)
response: 1,24
